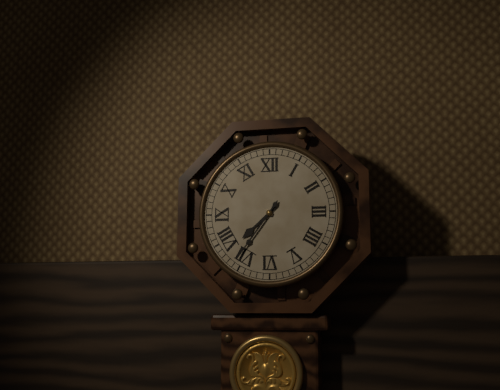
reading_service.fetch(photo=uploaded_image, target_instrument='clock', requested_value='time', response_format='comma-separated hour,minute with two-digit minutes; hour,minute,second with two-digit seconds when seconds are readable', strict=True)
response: 7,36
